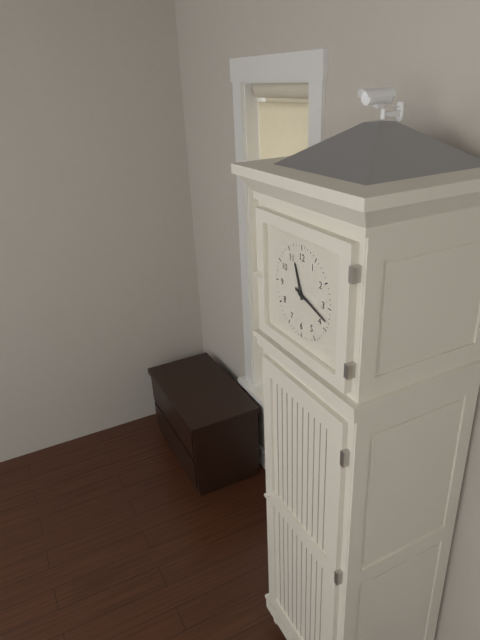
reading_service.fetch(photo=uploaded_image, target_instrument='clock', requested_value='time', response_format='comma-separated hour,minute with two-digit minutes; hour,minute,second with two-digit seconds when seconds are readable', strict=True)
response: 11,18
